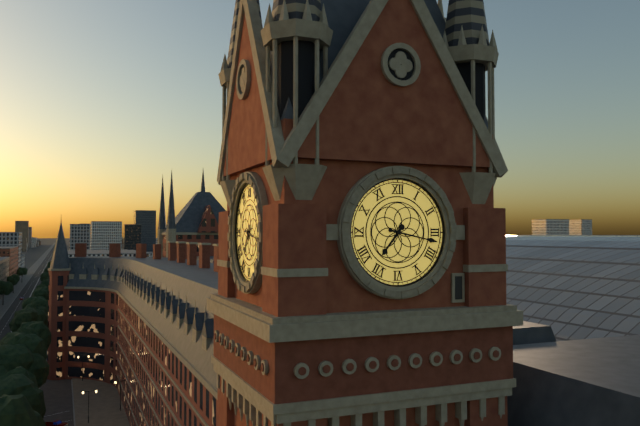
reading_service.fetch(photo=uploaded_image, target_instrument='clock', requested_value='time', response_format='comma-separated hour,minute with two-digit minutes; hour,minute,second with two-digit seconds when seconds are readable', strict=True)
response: 7,17
